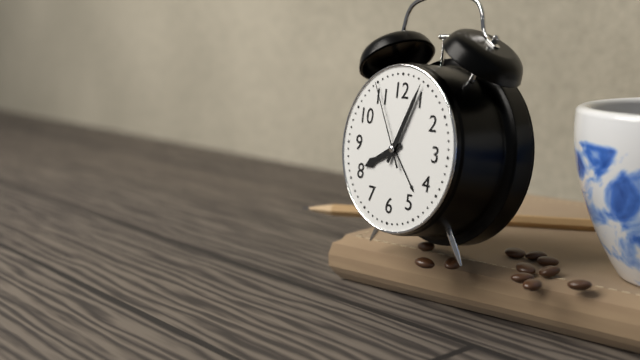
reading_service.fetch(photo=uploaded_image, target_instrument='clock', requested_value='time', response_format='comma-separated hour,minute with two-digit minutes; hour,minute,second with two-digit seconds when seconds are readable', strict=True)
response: 8,04,55
